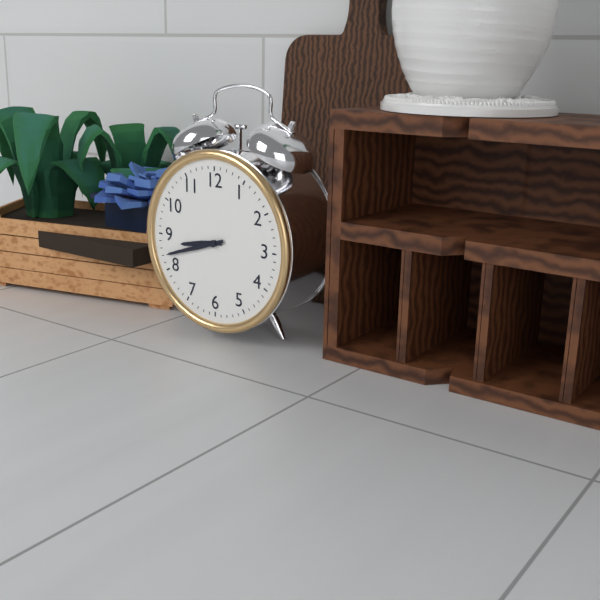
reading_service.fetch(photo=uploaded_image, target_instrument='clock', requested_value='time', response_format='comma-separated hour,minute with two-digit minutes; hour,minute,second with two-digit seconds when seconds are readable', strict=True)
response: 8,42
